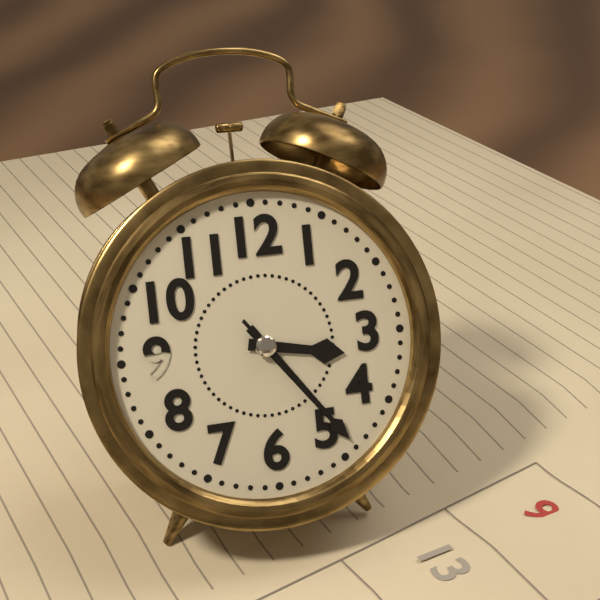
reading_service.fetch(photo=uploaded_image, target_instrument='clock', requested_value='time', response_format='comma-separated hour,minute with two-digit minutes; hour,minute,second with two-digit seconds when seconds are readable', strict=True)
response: 3,24,24
